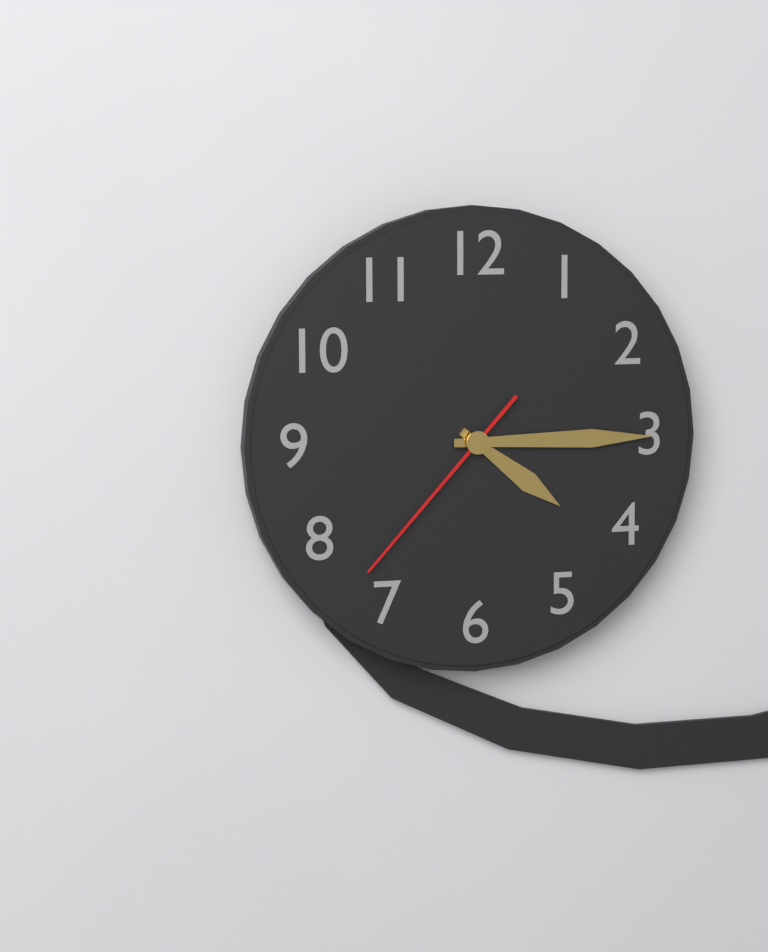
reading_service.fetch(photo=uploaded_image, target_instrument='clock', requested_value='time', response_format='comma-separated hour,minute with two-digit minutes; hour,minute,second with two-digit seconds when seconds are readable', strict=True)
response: 4,15,37
